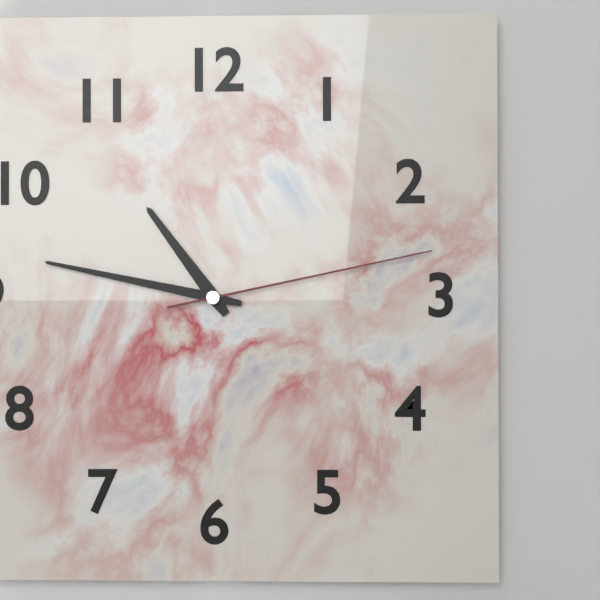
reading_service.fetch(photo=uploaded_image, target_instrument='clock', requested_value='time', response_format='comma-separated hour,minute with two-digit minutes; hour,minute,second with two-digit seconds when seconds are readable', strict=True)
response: 10,47,13
